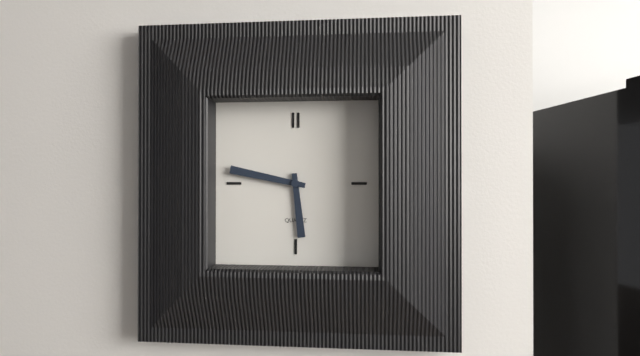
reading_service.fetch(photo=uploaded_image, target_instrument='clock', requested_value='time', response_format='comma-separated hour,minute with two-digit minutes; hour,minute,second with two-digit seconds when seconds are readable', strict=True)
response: 5,47
